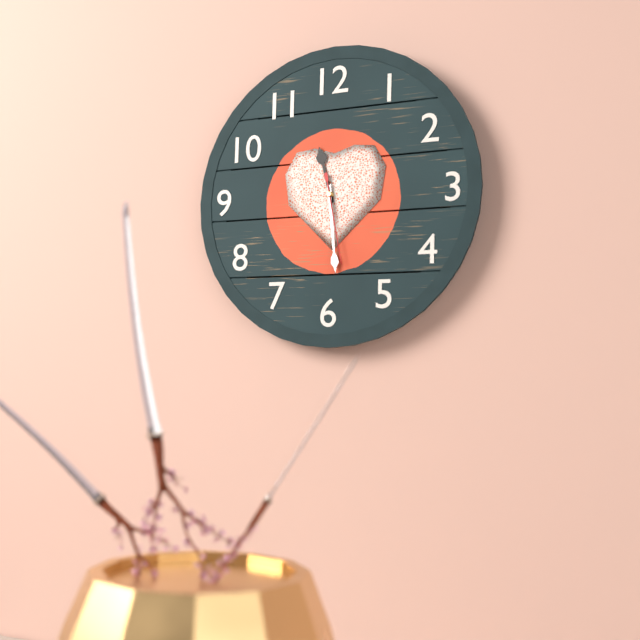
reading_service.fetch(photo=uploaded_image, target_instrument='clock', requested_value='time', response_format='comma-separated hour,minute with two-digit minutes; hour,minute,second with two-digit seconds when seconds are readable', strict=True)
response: 11,29,28
